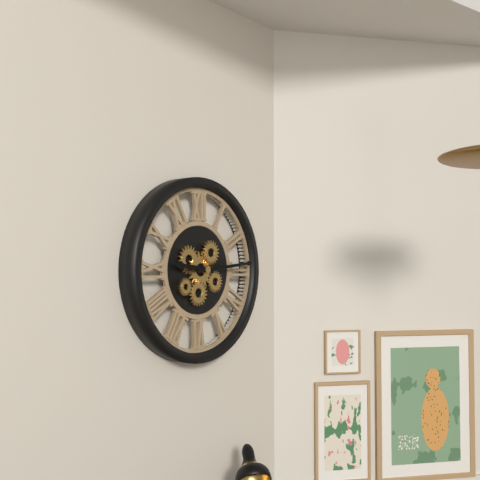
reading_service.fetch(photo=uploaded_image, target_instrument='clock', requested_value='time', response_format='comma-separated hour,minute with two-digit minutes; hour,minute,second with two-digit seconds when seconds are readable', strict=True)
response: 9,14
